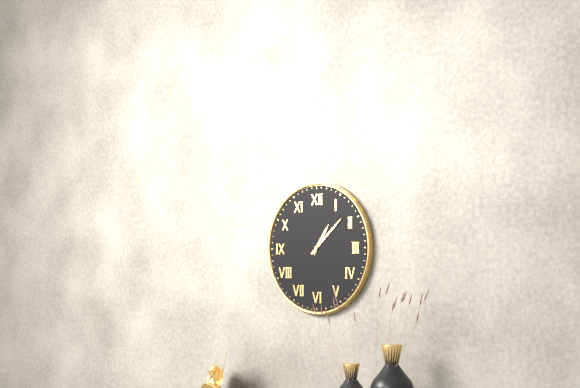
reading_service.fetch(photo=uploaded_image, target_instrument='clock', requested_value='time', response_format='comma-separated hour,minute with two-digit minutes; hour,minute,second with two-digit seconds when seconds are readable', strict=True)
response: 1,08
